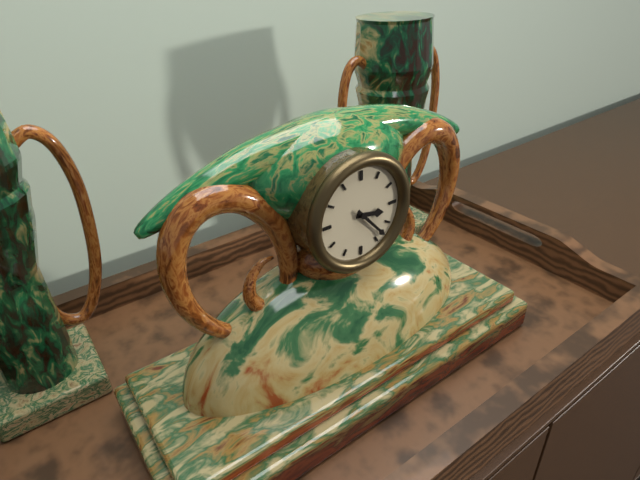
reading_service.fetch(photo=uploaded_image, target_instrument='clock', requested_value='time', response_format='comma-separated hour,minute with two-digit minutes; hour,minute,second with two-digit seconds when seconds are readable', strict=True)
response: 3,23
